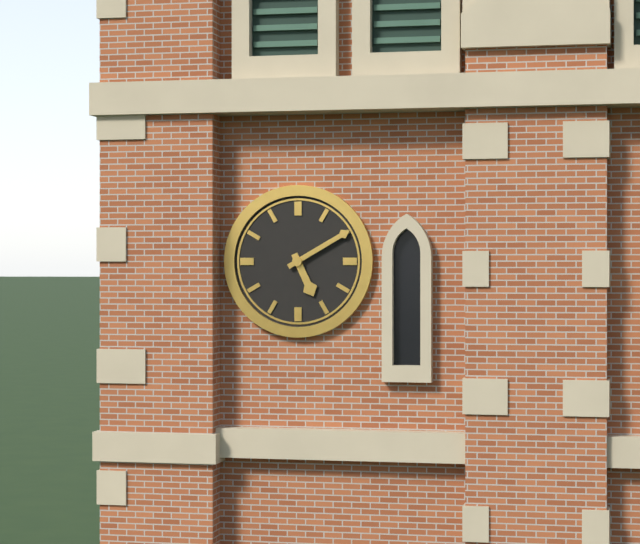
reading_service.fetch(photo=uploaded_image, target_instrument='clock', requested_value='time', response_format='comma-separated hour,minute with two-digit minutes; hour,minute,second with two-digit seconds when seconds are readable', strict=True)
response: 5,10
